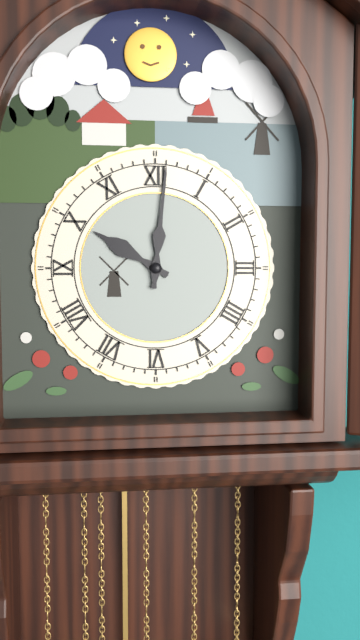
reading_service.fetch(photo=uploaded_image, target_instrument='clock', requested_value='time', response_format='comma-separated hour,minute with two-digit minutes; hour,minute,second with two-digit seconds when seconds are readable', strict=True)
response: 10,01
